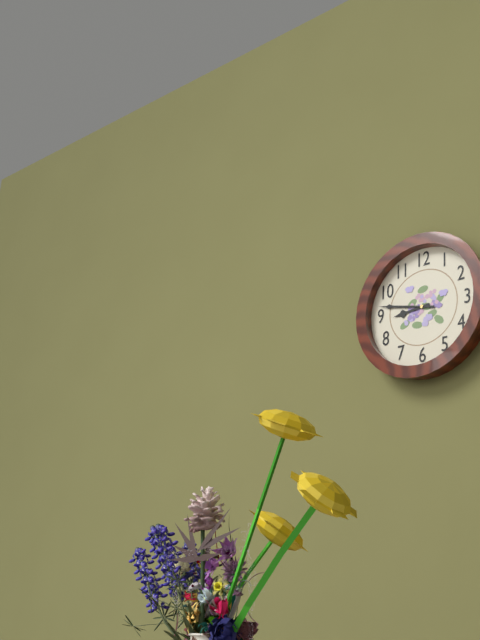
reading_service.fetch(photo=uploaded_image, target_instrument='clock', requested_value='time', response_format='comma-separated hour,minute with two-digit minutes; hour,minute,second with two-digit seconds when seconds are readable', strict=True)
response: 8,47
